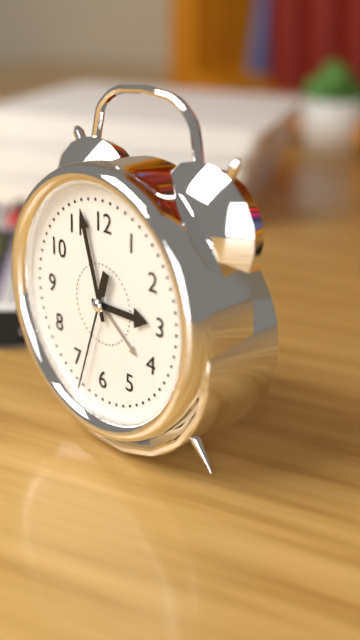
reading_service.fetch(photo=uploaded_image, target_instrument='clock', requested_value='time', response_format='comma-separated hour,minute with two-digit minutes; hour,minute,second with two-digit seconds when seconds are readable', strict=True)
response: 2,57,33
